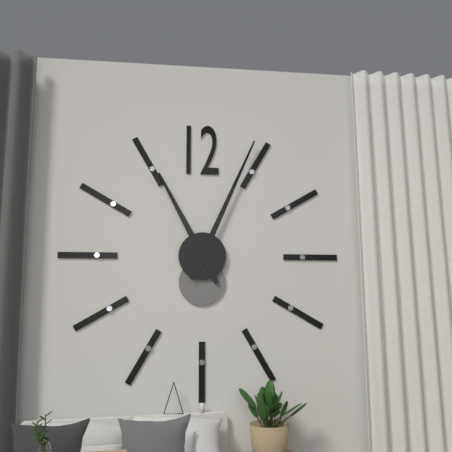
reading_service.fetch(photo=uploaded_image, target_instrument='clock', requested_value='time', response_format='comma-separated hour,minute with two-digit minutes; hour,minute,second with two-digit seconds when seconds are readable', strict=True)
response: 11,04
